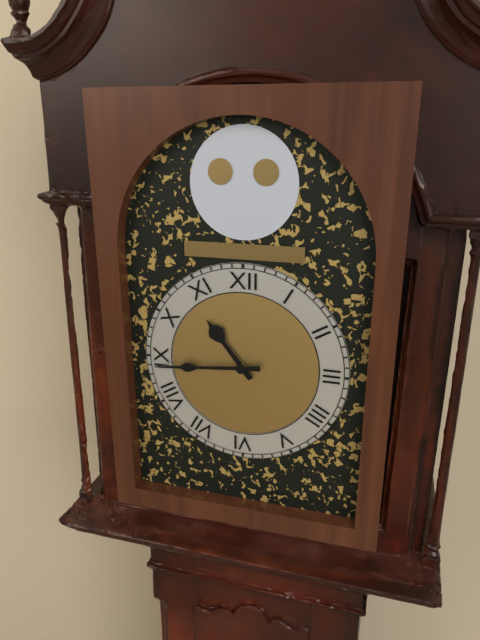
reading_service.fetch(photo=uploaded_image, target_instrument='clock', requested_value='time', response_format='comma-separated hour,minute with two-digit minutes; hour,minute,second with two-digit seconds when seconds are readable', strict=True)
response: 10,44
